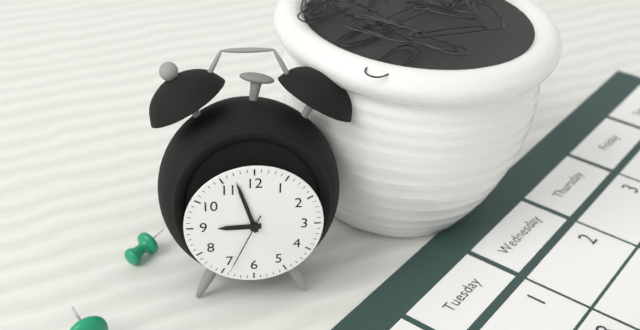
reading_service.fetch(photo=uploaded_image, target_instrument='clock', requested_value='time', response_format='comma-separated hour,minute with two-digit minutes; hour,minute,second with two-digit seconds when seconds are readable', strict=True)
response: 8,57,34
